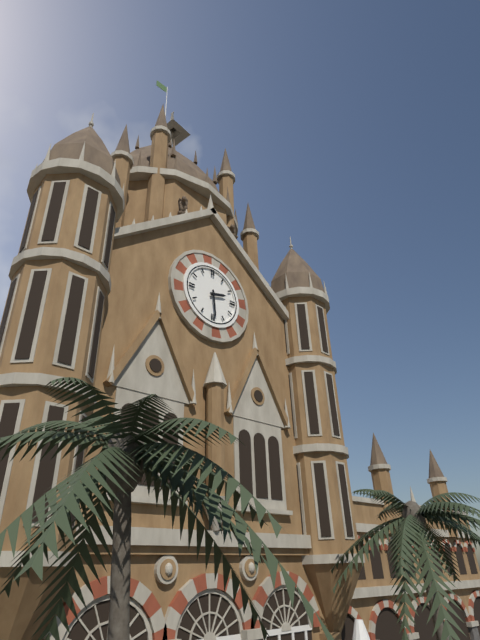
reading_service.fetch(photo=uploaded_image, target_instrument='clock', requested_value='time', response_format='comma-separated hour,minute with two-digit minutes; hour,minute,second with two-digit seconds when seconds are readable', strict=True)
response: 2,29
